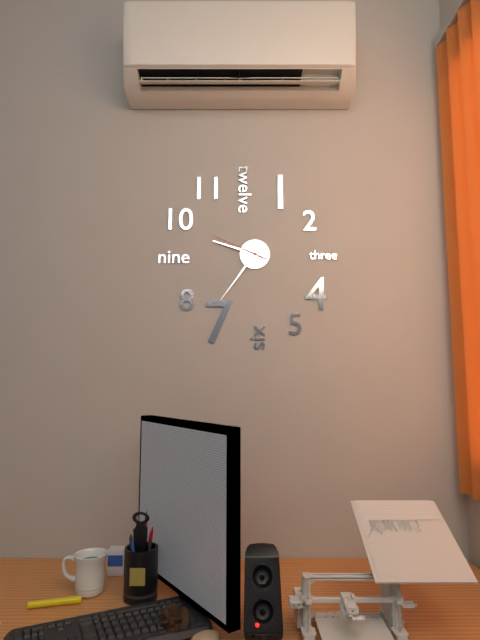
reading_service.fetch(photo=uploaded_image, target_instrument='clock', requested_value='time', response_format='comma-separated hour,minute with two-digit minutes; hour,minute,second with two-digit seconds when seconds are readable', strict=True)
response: 9,36,49
